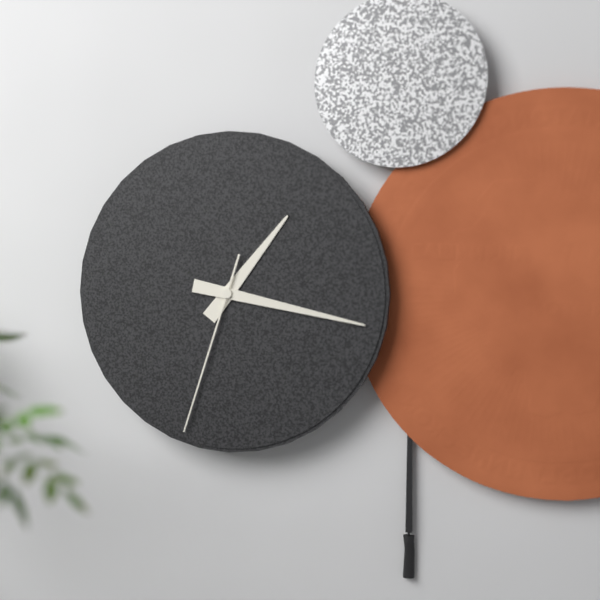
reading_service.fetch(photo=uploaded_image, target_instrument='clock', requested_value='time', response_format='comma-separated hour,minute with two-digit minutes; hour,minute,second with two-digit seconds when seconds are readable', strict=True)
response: 1,17,33
